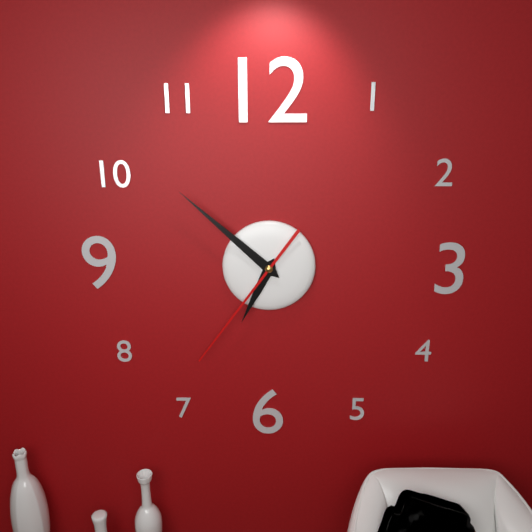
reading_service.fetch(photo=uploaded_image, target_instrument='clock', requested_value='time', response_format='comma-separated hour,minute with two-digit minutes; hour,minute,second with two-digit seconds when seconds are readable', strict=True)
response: 6,52,36
